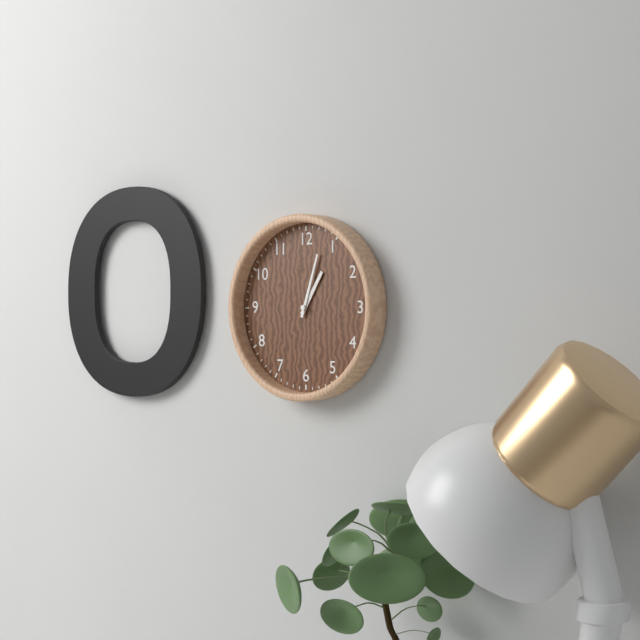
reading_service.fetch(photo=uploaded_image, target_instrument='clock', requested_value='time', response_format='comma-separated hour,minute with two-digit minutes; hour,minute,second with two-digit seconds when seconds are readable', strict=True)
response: 1,03
